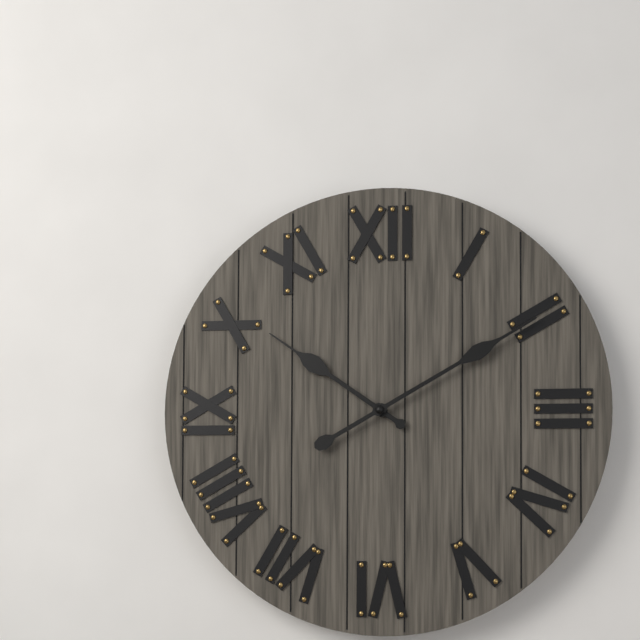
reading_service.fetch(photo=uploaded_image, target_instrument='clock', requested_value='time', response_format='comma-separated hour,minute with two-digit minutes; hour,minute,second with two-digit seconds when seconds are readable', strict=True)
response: 10,10
